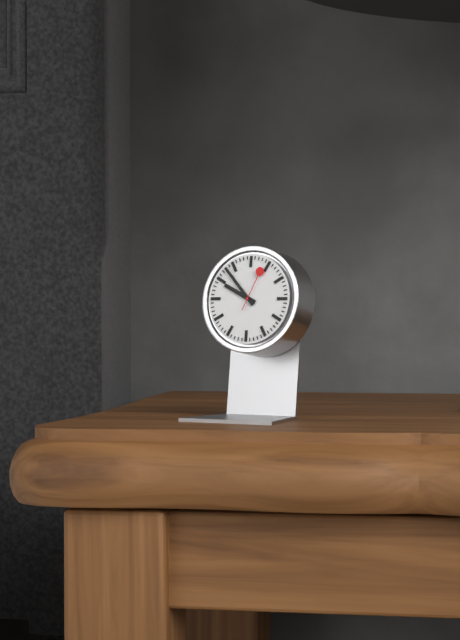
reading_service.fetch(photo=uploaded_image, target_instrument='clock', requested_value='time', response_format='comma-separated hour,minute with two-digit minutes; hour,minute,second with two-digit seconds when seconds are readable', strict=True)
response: 9,53
